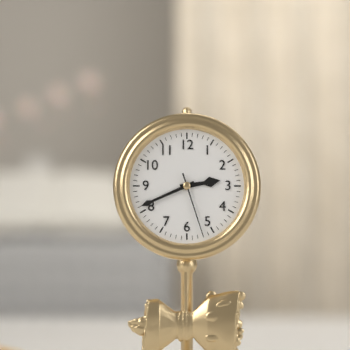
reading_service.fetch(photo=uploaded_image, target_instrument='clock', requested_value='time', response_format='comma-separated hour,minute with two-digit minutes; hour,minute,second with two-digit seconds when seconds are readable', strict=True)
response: 2,41,27
